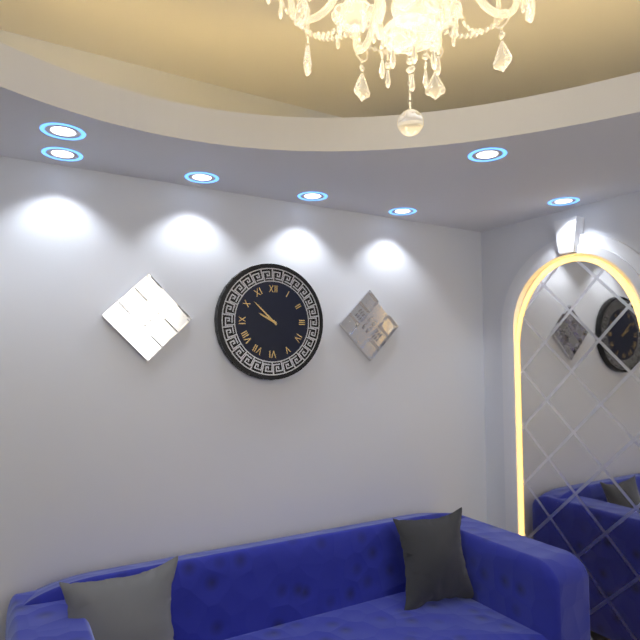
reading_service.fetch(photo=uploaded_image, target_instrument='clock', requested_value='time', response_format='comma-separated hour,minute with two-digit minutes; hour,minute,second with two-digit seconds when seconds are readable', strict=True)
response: 9,52
